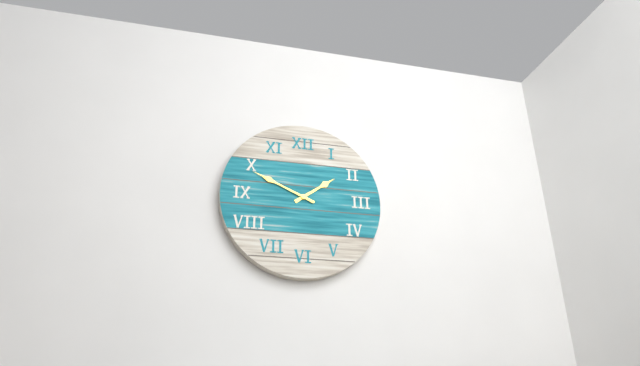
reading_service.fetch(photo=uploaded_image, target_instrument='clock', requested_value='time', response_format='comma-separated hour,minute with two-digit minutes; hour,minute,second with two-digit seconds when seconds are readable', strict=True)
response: 1,49
